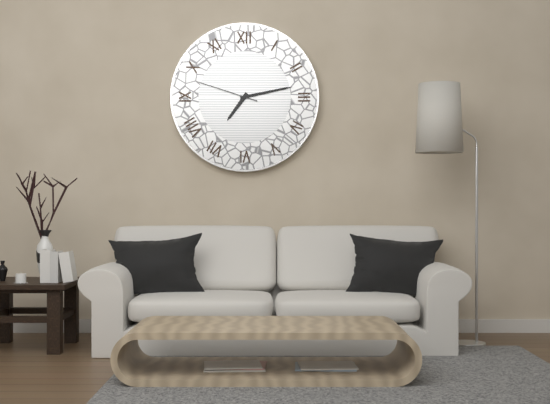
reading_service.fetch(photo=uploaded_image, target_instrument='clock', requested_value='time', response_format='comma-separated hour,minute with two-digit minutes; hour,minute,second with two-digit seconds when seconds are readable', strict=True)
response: 7,13,48
